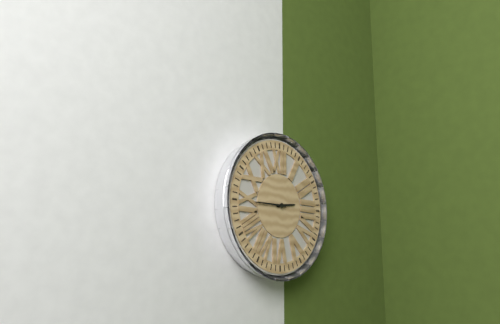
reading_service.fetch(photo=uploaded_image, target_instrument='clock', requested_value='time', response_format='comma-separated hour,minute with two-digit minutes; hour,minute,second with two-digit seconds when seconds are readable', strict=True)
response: 2,45
